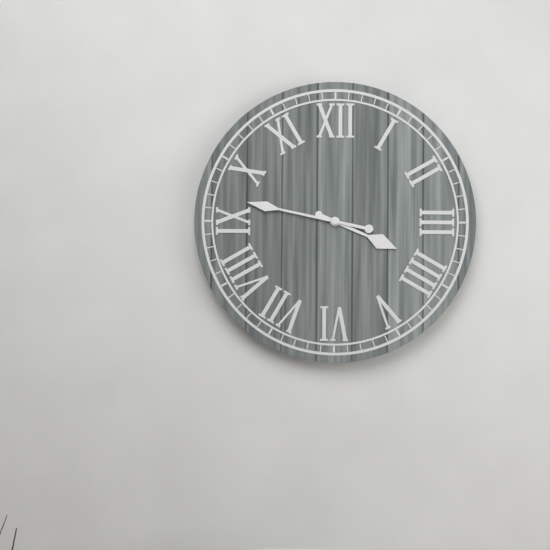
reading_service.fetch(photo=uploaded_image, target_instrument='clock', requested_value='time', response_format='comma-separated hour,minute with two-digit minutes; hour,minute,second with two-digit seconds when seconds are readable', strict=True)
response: 3,47
